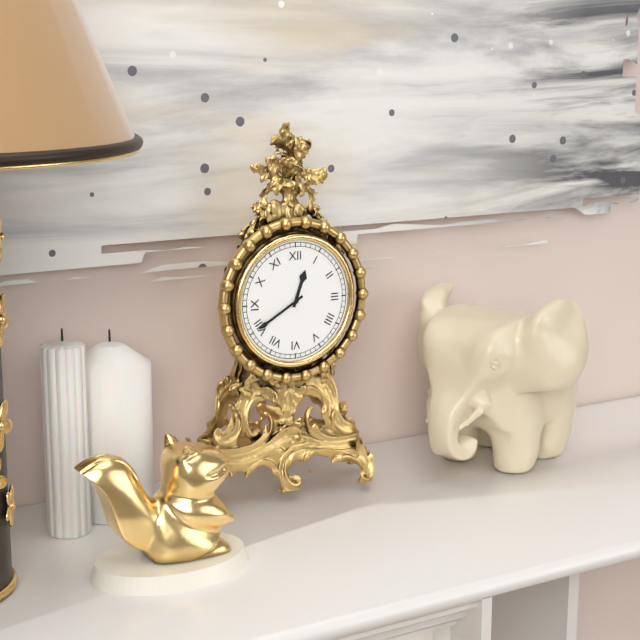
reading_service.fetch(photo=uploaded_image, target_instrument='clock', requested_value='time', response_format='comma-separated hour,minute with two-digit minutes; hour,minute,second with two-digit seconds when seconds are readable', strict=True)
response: 12,40
